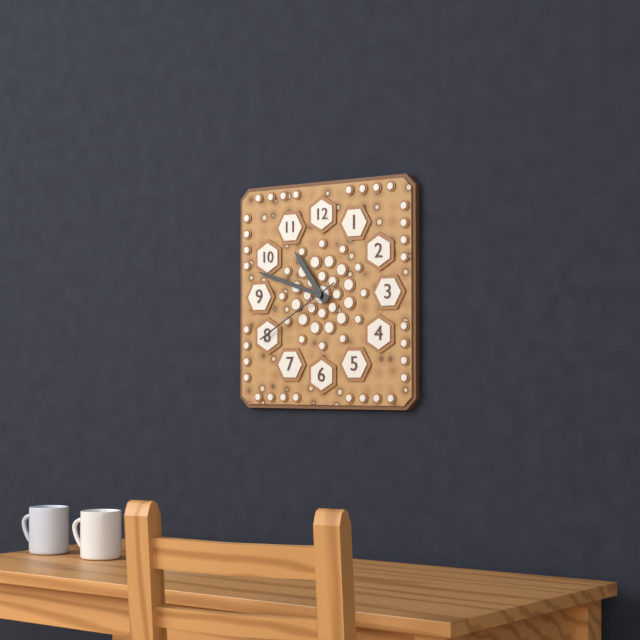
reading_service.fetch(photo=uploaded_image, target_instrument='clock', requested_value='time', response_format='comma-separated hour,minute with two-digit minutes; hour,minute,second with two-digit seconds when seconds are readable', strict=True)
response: 10,48,40
